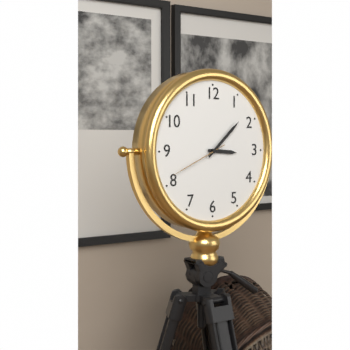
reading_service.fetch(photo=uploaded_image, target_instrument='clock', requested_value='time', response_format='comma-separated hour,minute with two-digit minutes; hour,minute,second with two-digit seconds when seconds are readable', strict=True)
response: 3,08,41
